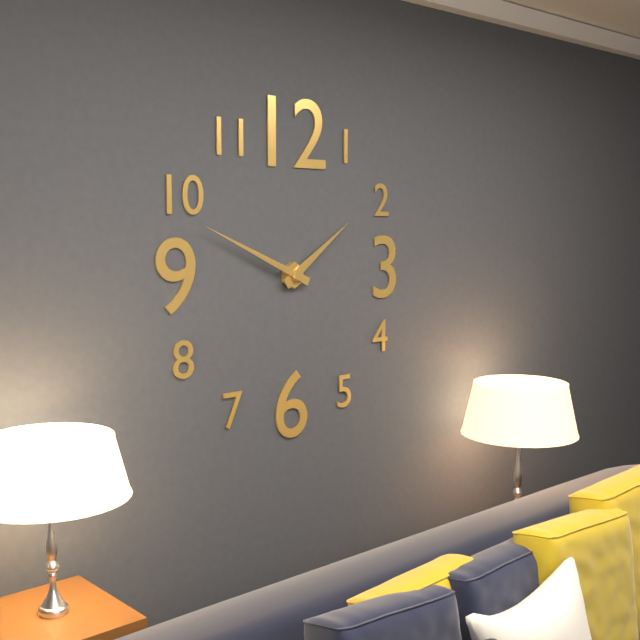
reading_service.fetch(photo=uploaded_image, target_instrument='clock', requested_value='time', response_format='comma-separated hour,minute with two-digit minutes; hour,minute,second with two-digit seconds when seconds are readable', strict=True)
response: 1,49
